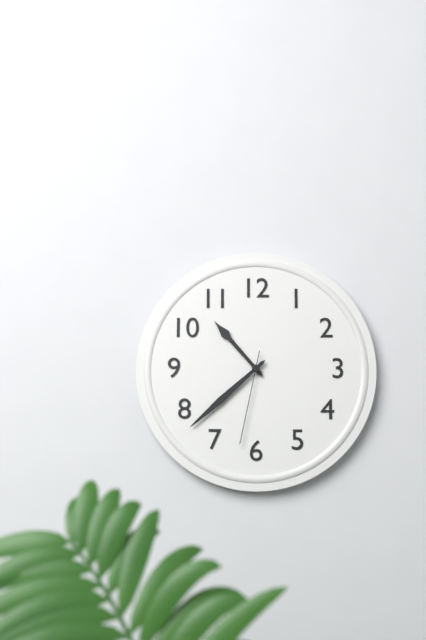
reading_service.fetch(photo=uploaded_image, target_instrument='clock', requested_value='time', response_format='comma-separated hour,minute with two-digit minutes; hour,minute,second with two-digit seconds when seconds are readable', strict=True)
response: 10,38,32
